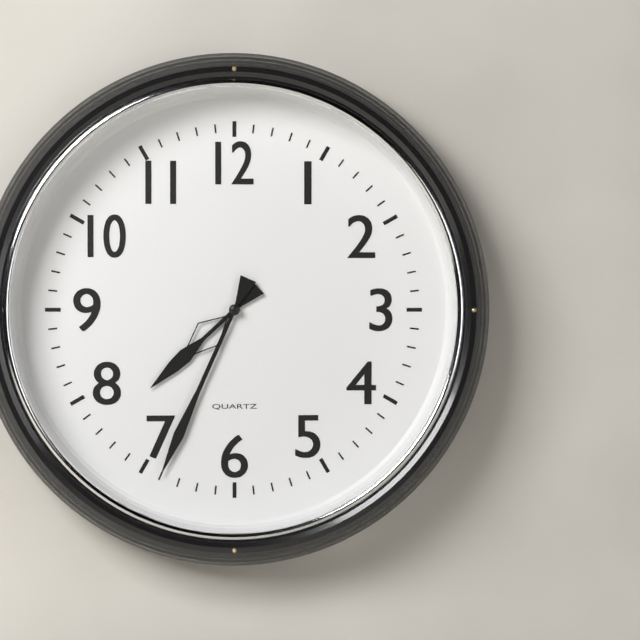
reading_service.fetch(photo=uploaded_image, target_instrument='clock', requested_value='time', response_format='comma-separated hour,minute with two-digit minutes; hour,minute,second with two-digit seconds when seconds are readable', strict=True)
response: 7,34
